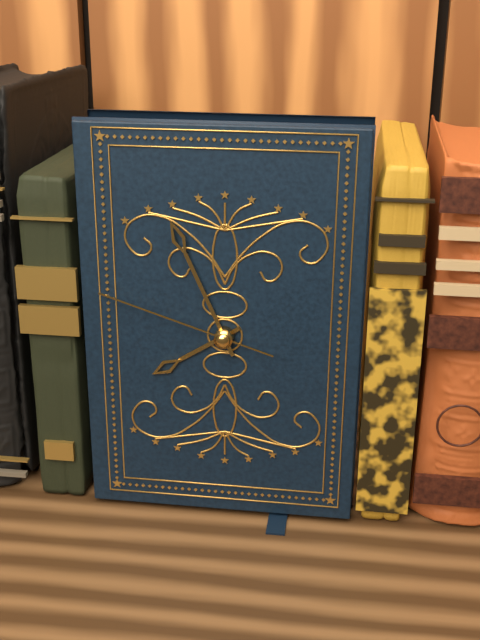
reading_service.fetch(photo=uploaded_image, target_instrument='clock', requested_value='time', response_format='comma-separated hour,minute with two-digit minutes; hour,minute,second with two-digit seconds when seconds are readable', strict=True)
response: 7,56,48
